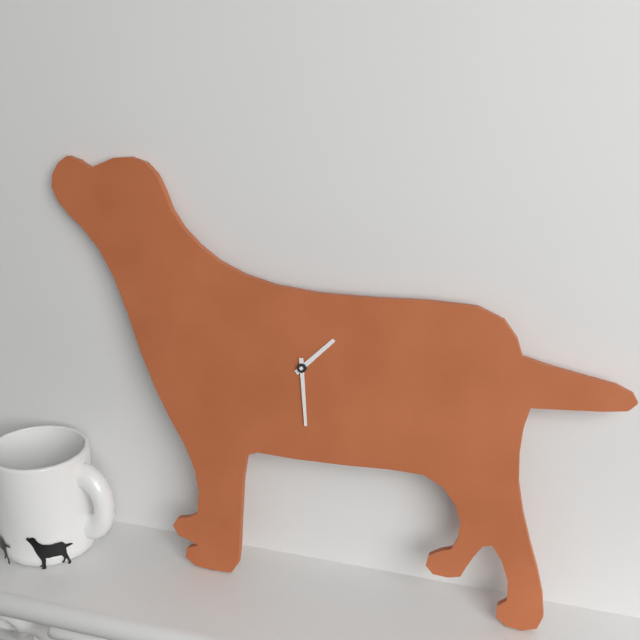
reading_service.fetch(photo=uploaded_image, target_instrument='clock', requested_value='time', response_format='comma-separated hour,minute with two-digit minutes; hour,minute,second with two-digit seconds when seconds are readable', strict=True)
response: 1,29
